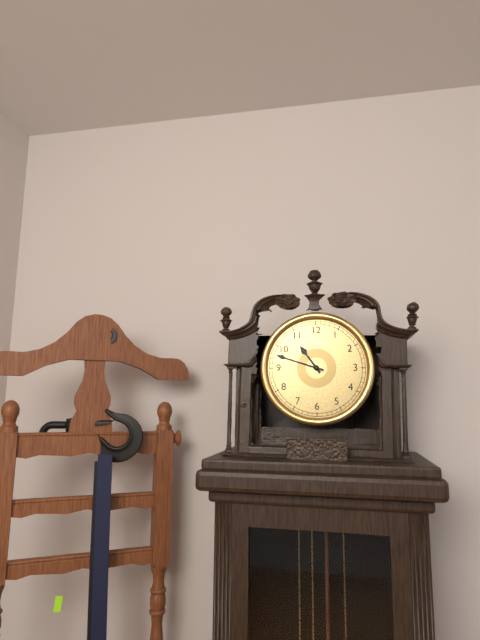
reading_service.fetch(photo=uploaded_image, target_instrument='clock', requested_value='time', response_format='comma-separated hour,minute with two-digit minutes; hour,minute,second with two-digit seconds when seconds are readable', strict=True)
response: 10,48
